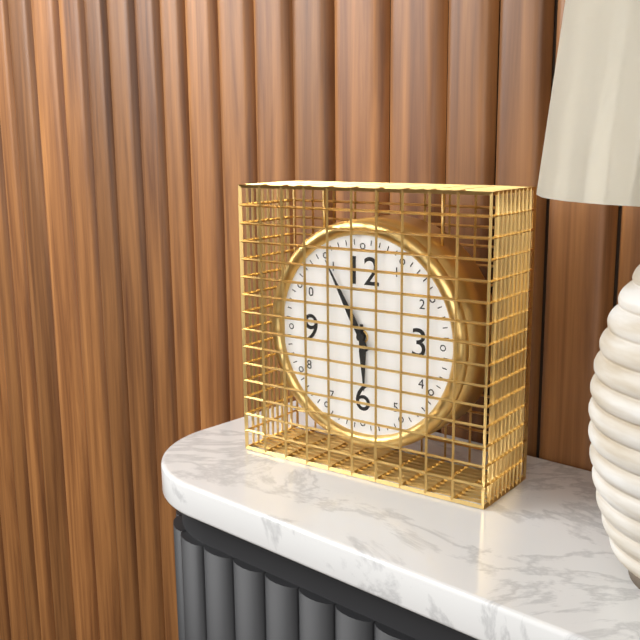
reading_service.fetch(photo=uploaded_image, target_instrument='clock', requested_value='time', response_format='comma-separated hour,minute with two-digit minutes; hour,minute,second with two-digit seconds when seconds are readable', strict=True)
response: 5,55
